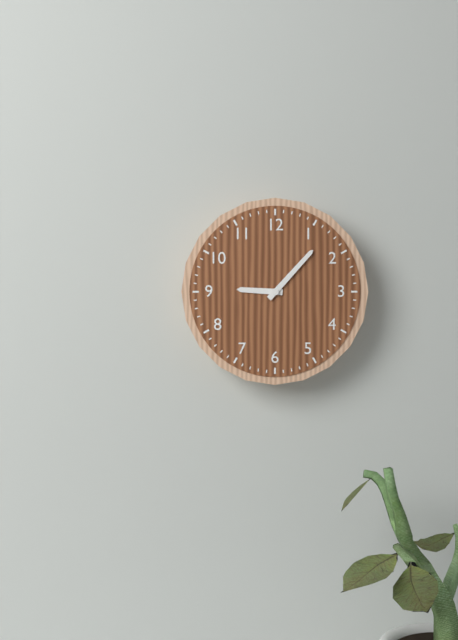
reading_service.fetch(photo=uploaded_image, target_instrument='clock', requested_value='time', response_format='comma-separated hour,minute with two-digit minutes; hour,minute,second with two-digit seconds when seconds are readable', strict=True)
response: 9,07
